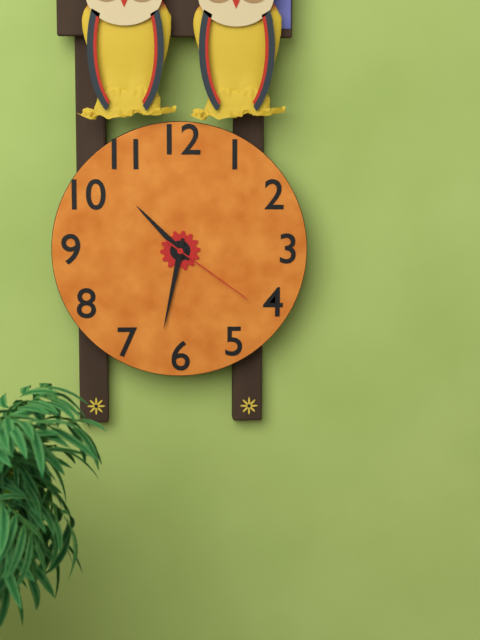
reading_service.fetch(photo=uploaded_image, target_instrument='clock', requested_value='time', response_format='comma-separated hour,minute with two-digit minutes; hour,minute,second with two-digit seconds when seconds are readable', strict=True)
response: 10,32,21
